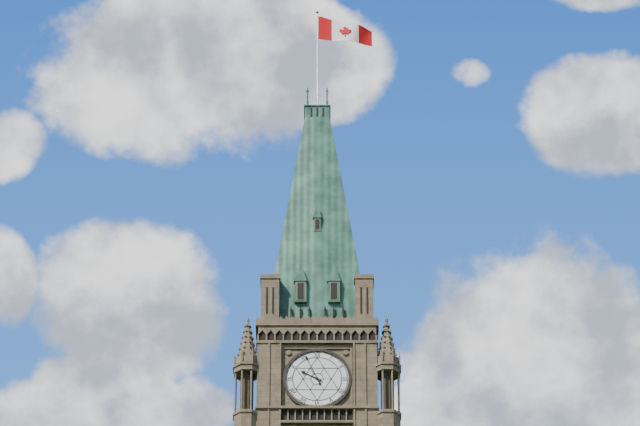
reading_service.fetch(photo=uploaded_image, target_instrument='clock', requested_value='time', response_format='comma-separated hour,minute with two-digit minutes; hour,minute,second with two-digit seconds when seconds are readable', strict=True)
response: 9,56
